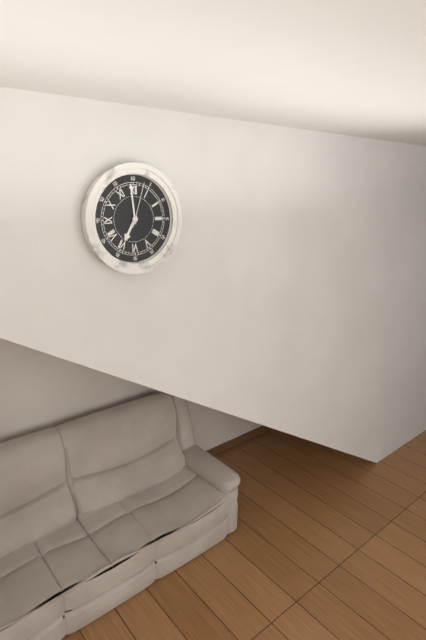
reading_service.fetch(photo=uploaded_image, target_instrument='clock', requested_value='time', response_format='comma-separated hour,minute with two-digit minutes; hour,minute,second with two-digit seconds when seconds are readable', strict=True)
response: 6,59
